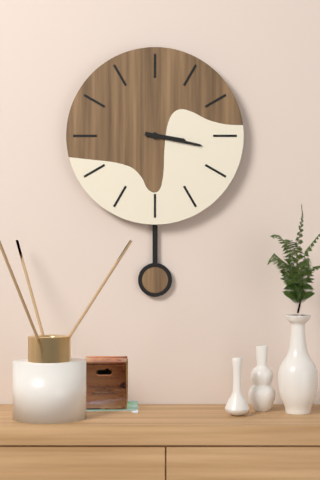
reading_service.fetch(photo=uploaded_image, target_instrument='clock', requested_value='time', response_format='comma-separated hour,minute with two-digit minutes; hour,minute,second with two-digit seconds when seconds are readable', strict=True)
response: 3,17
